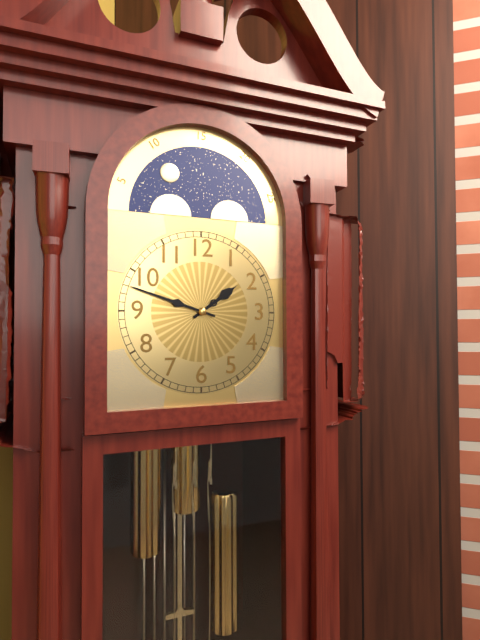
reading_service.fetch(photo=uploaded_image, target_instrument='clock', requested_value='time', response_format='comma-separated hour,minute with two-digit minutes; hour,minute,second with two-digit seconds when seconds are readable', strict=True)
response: 1,48
